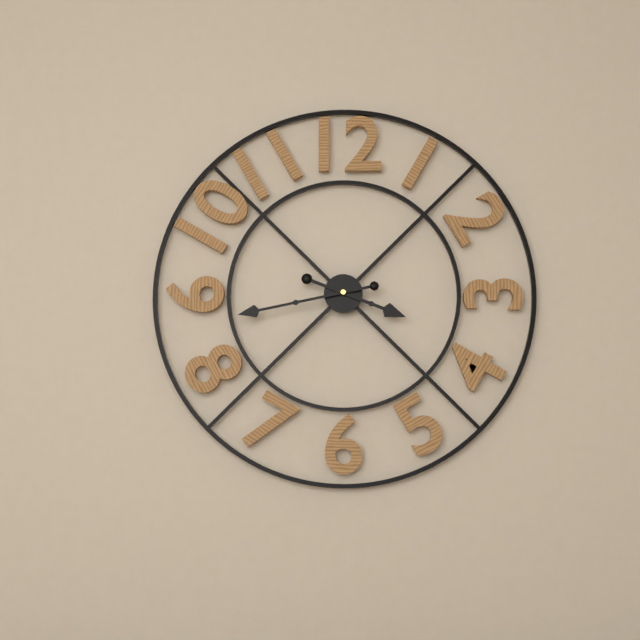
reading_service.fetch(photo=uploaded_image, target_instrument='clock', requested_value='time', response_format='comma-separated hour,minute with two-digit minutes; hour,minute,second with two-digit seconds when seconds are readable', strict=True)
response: 3,43
